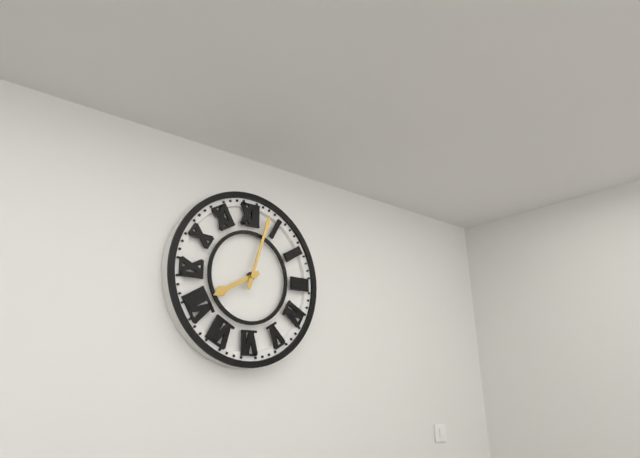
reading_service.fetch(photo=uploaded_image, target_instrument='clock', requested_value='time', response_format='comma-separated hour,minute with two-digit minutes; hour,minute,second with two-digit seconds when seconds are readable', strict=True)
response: 8,03
